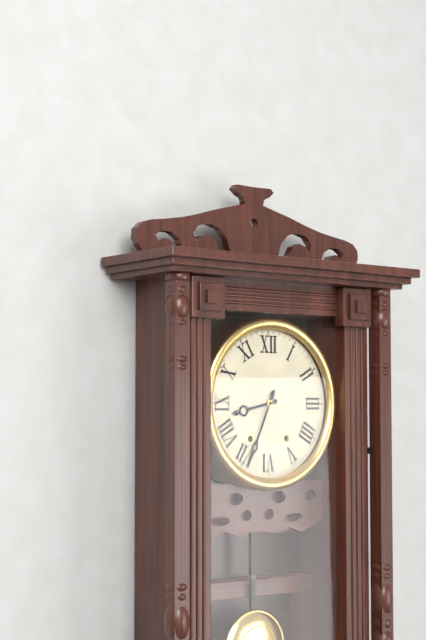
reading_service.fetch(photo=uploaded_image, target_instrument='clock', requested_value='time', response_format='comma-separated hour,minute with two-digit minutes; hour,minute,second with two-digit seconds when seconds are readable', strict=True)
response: 8,34
